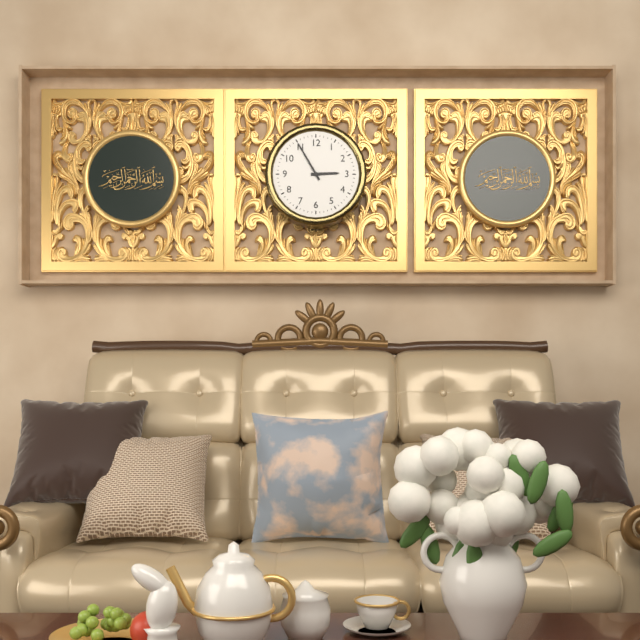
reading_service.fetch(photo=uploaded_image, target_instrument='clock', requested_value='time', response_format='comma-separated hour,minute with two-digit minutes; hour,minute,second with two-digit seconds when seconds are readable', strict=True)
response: 2,55
